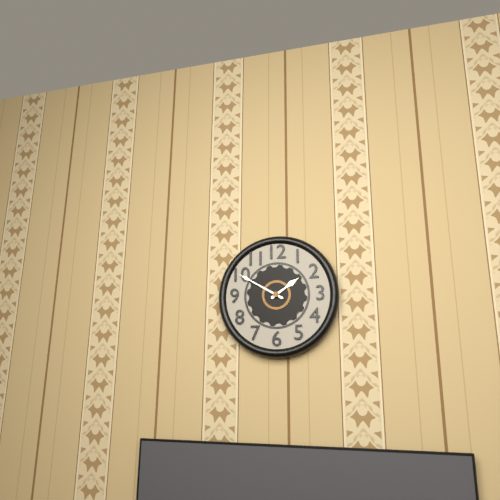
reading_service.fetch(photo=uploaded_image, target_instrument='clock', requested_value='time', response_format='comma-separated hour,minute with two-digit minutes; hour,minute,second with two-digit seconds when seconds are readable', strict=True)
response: 1,50
